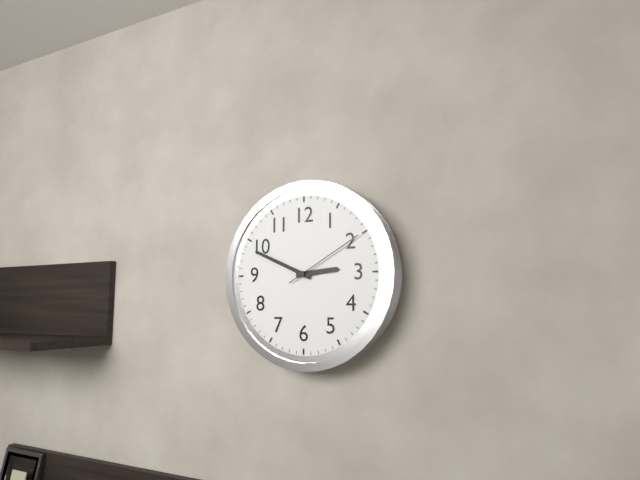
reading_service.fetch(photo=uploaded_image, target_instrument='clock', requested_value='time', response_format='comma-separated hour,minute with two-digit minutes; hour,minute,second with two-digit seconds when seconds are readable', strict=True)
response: 2,49,10
